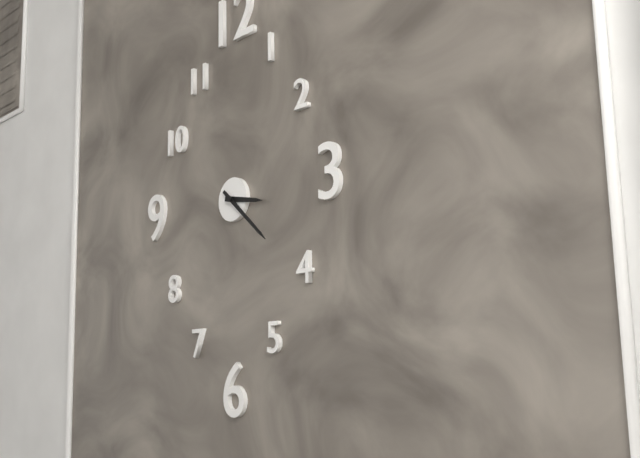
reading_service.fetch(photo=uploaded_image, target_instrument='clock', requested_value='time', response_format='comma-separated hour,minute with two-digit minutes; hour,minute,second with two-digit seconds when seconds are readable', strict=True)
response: 3,22
